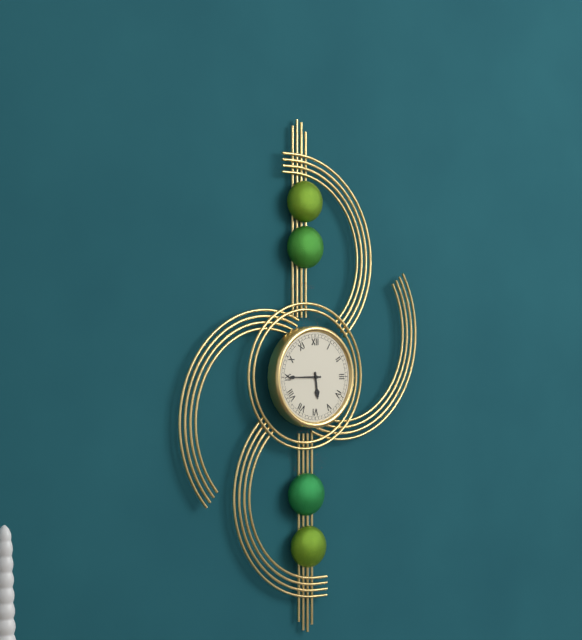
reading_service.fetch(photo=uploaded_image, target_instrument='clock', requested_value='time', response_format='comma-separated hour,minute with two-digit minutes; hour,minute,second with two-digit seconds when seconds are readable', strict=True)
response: 5,45
